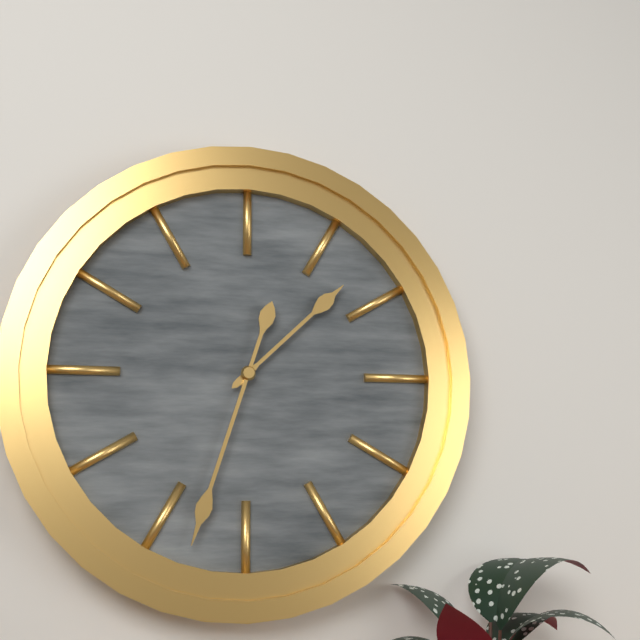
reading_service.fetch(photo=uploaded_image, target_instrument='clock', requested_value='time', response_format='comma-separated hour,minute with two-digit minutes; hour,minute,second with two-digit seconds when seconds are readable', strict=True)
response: 1,33
